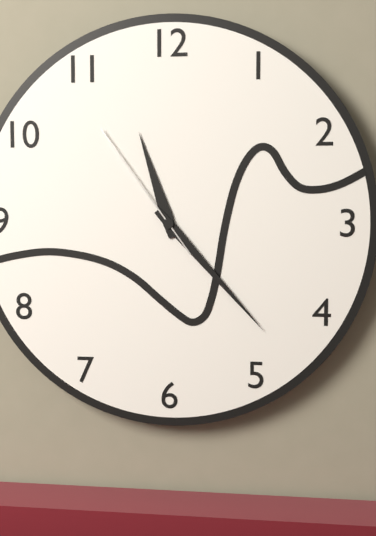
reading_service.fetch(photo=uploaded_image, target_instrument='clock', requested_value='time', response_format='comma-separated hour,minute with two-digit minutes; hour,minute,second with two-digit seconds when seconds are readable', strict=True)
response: 11,23,54
